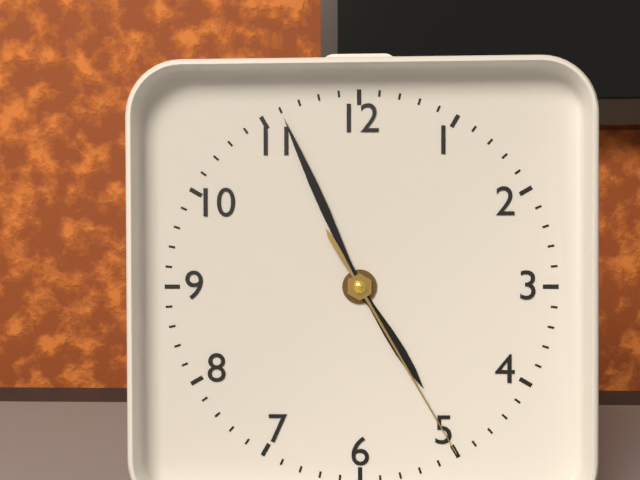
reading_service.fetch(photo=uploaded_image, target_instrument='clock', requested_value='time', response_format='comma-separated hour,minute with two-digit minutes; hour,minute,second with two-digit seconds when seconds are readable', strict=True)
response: 4,56,25
